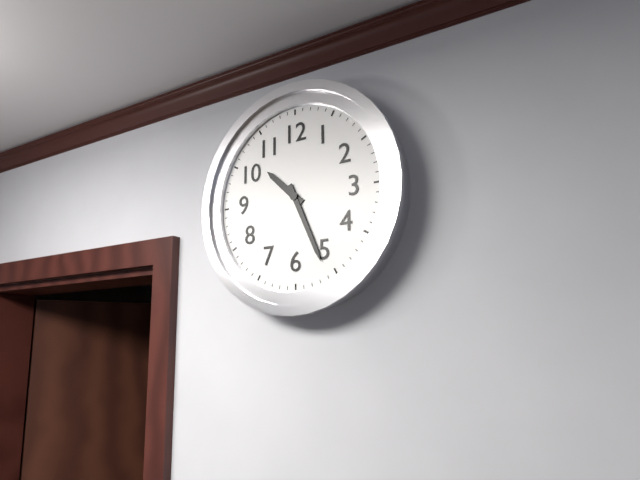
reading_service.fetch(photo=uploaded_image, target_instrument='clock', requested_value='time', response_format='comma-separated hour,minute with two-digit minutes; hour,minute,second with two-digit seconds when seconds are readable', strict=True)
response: 10,26
